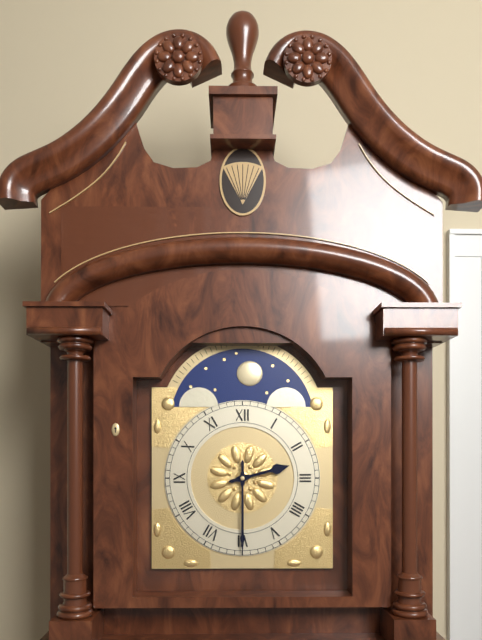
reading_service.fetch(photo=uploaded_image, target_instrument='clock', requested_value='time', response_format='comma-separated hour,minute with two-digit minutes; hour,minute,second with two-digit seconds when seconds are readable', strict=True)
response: 2,30
